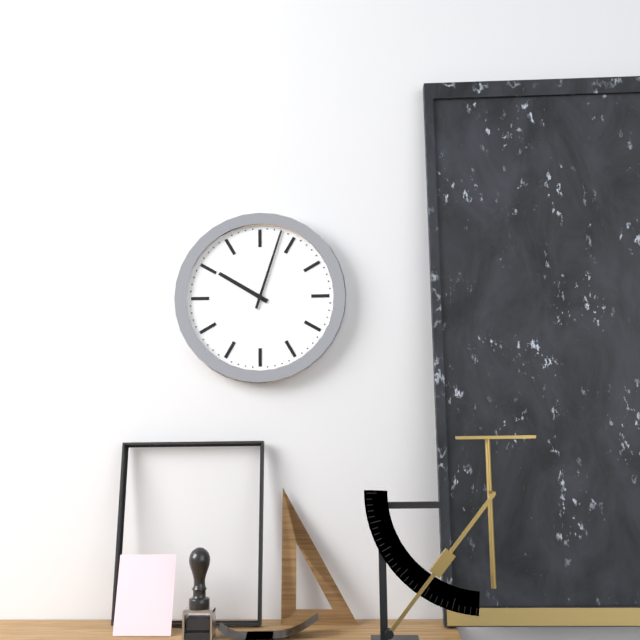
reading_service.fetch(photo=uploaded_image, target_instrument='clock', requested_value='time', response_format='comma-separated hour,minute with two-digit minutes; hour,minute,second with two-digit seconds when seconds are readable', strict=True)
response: 10,03
